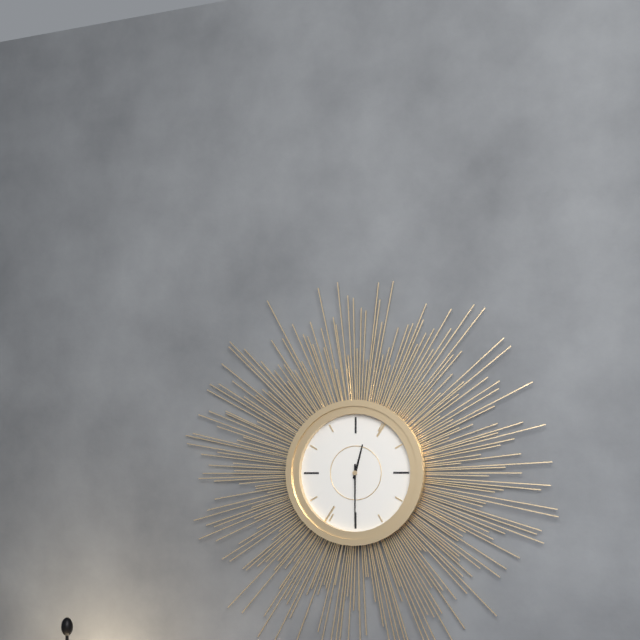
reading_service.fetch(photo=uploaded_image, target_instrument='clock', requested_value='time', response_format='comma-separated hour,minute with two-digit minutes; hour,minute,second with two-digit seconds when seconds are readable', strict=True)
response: 12,30
